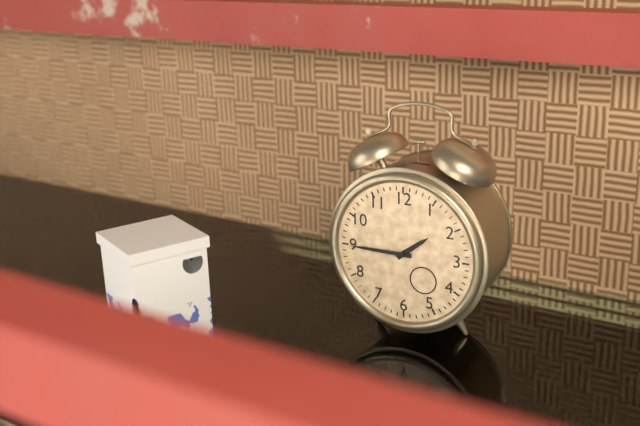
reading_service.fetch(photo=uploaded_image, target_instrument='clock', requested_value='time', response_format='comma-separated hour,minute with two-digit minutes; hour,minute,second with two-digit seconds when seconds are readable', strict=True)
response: 1,45
